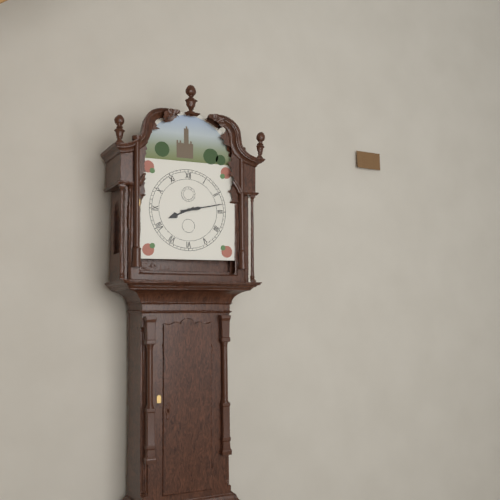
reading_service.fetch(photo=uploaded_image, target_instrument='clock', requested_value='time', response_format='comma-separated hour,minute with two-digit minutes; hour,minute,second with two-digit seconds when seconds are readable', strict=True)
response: 8,13
